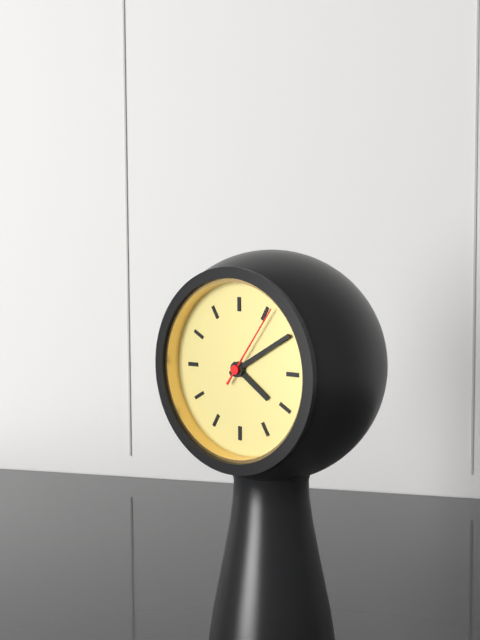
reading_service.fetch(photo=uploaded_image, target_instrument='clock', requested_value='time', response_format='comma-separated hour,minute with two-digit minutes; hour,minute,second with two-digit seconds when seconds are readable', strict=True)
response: 4,10,06
